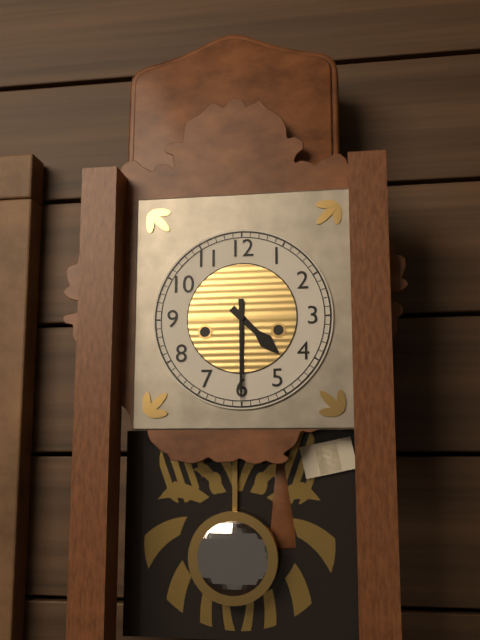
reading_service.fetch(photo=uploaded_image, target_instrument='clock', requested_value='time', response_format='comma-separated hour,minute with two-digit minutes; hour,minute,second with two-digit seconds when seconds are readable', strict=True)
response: 4,30
